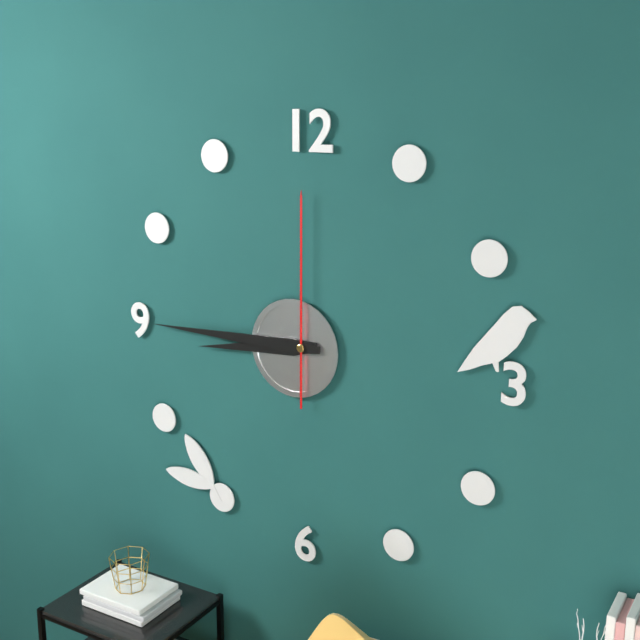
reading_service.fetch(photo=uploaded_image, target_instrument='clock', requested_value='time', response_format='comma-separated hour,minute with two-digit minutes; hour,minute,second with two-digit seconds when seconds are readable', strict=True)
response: 8,45,00
